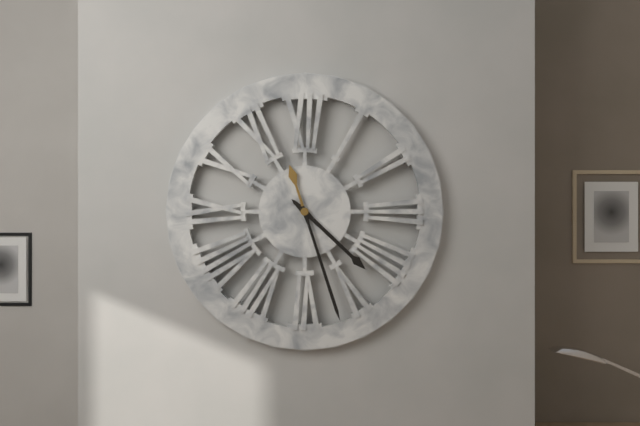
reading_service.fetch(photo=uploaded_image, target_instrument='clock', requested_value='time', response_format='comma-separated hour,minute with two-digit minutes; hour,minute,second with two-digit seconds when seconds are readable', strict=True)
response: 4,27
